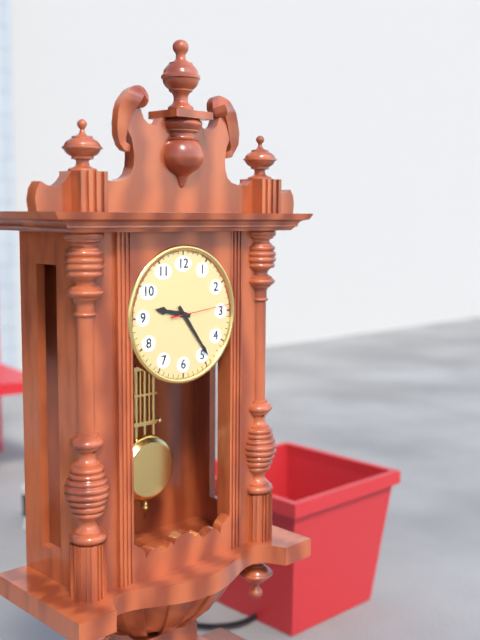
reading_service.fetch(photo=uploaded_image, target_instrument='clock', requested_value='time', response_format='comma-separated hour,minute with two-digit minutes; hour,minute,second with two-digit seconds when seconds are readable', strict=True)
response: 9,24,14
